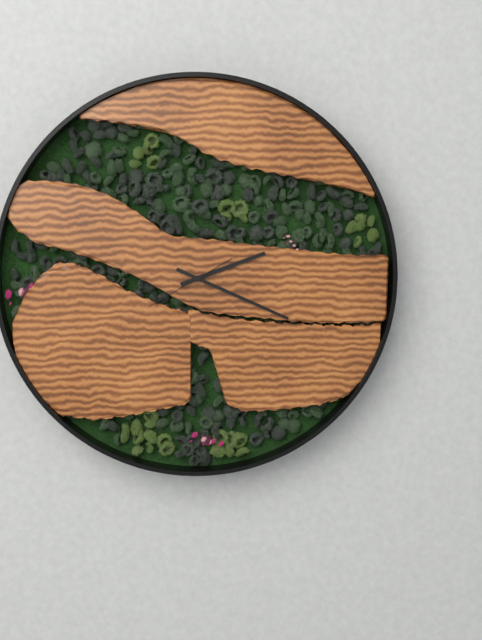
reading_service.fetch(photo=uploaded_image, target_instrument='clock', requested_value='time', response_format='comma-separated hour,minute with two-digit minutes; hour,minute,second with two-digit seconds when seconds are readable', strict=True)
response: 2,19,40
